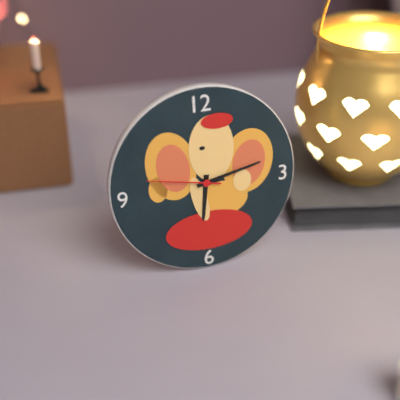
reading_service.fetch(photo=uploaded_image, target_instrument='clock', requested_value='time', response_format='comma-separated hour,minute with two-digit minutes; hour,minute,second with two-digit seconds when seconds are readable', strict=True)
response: 6,13,47
